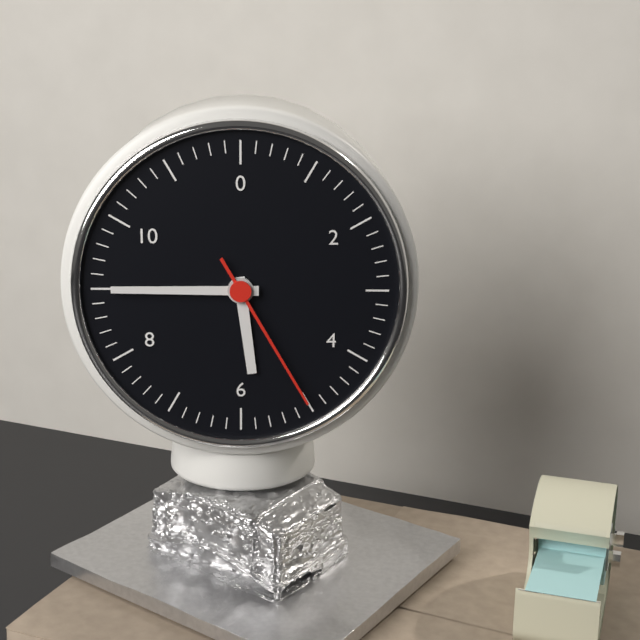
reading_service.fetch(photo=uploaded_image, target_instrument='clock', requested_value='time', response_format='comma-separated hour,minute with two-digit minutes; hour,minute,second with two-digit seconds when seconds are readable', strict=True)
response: 5,45,25
